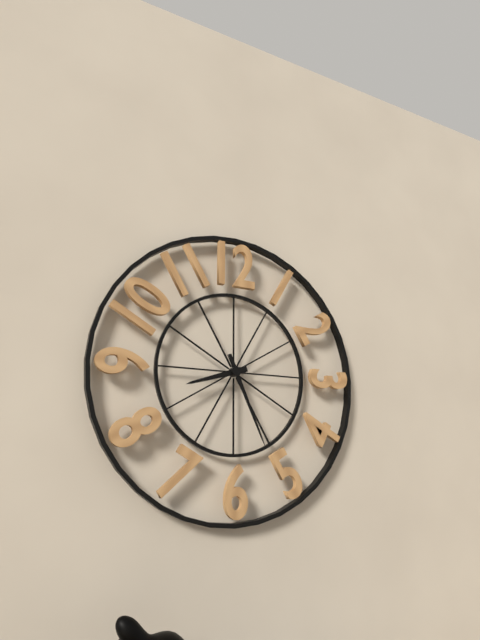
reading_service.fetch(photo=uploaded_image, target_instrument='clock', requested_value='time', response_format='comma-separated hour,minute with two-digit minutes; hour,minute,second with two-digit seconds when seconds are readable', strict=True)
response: 8,26
